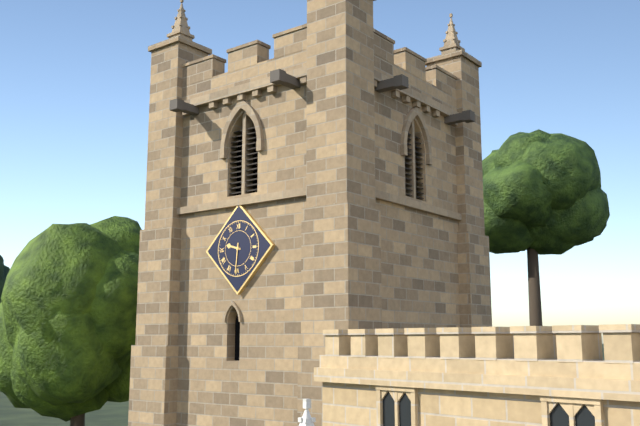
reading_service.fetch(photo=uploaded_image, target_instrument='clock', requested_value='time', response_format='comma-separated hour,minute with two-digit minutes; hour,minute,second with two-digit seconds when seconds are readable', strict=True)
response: 9,31
